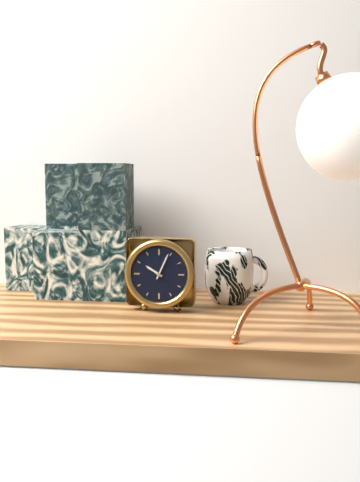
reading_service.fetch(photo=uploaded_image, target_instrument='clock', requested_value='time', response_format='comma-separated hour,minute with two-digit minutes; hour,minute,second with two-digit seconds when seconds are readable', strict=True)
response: 10,04
